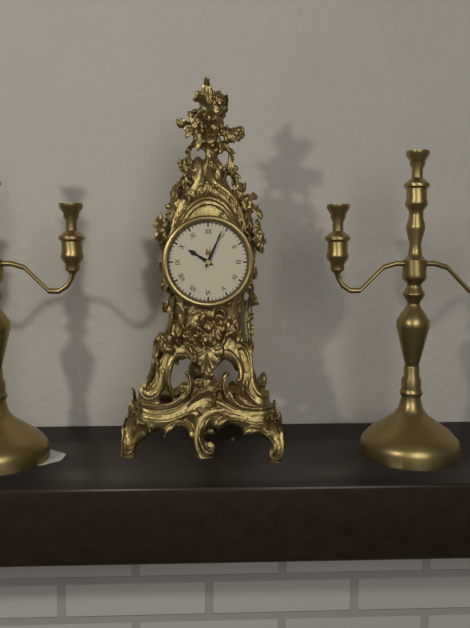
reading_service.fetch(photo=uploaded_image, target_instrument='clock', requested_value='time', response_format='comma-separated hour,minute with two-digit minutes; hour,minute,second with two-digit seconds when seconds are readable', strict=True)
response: 10,04
